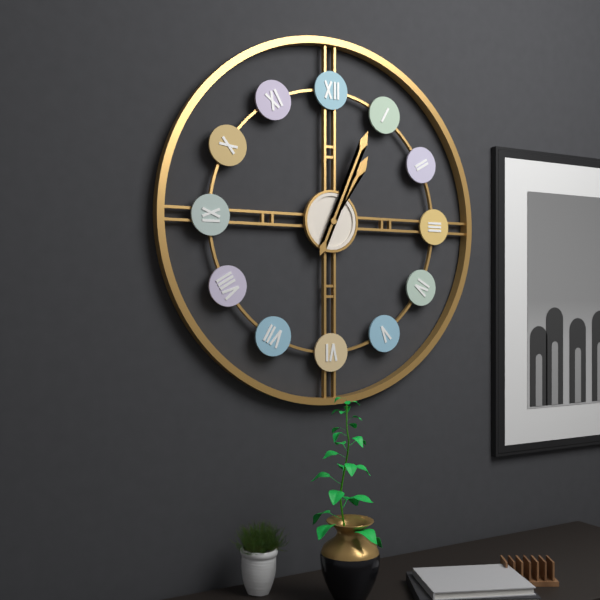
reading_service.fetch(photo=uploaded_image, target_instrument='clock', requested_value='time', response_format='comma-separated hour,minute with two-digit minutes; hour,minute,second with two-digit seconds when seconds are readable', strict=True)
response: 1,04
